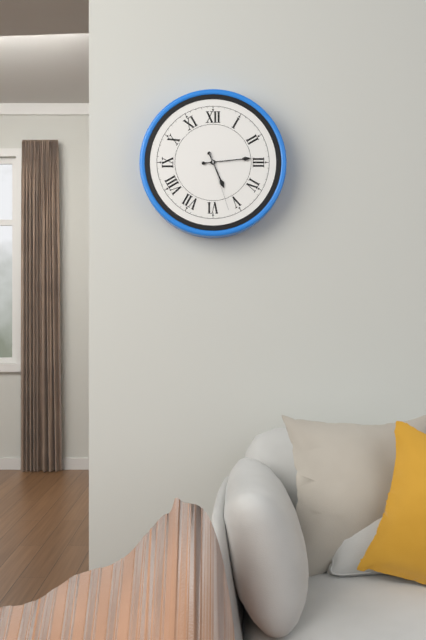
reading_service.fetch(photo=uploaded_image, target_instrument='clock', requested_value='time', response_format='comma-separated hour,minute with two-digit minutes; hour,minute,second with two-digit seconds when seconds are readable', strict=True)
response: 5,14,27
